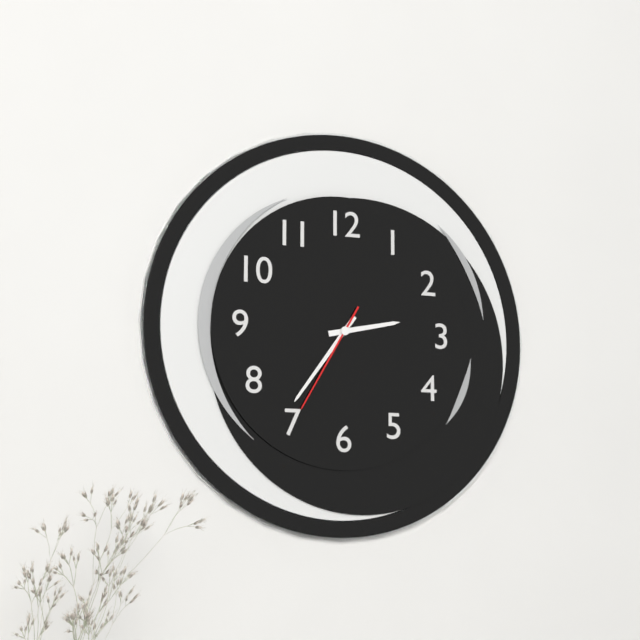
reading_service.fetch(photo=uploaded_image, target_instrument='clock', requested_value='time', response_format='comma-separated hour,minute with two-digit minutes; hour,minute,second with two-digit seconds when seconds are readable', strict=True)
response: 2,36,35
